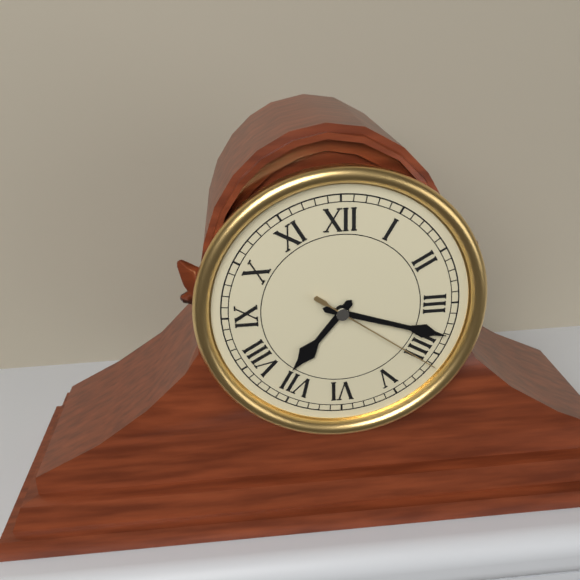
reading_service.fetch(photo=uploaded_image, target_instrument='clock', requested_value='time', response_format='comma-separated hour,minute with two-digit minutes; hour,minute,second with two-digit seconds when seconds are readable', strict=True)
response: 7,18,21
